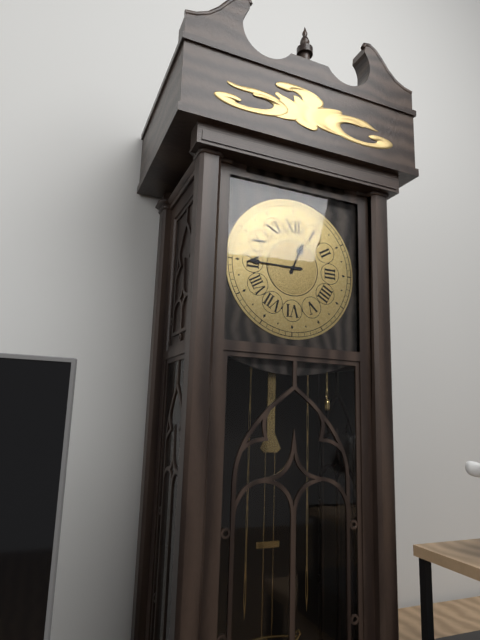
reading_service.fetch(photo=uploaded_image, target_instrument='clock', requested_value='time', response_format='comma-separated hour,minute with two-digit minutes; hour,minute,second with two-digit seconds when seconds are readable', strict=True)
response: 12,45
